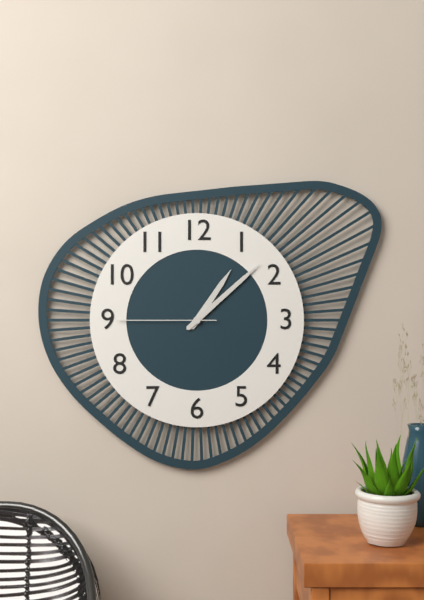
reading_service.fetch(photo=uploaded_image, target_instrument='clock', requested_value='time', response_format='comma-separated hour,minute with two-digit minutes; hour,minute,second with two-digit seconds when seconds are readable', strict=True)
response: 1,08,45
